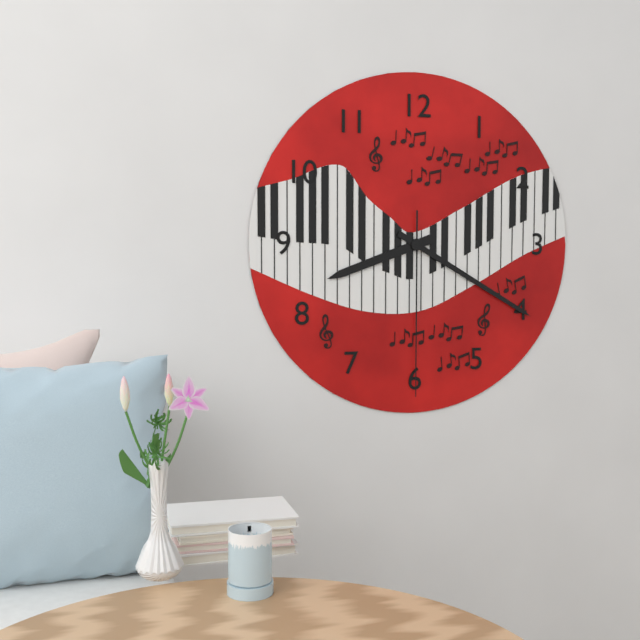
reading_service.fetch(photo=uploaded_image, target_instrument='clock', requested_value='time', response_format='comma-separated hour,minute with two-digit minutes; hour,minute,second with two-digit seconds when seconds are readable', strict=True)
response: 8,20,30
